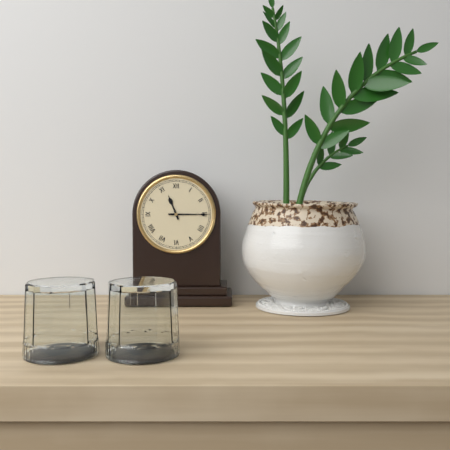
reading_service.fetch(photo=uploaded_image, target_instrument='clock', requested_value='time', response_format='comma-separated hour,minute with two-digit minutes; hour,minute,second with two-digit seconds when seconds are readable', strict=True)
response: 11,15
